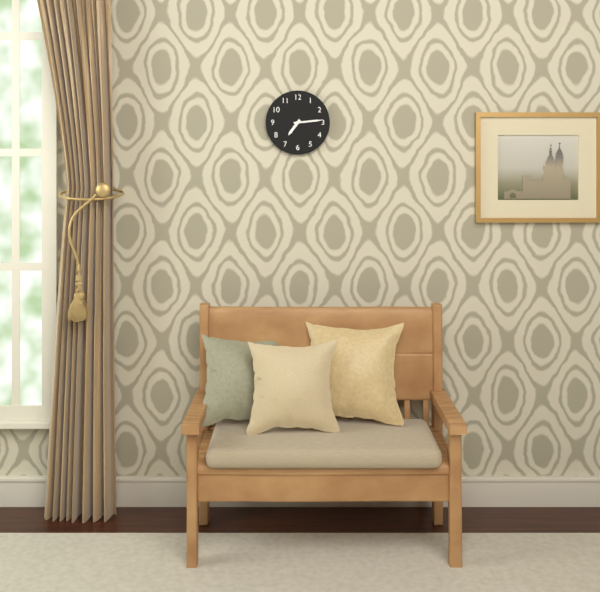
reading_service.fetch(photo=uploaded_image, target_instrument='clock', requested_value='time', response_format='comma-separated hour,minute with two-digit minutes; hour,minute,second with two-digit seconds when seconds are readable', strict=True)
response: 7,14
